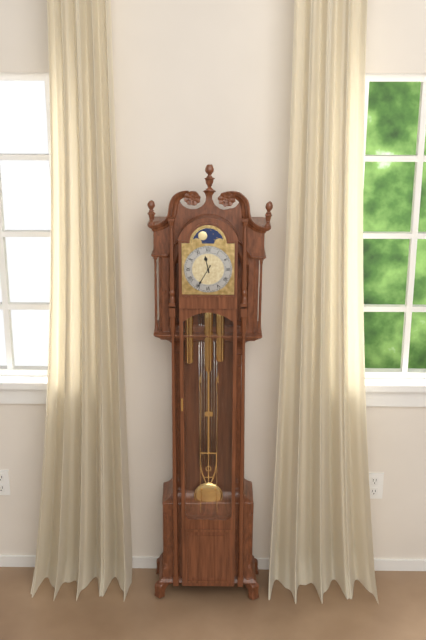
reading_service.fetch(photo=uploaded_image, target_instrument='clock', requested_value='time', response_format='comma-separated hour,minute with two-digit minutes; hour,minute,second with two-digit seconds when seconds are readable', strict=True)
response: 11,35
